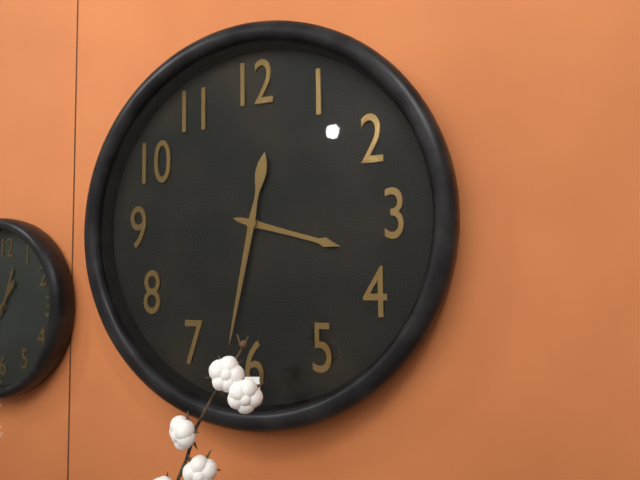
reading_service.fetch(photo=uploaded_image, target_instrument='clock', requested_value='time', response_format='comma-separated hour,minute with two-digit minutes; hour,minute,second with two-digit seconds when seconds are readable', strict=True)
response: 3,32
